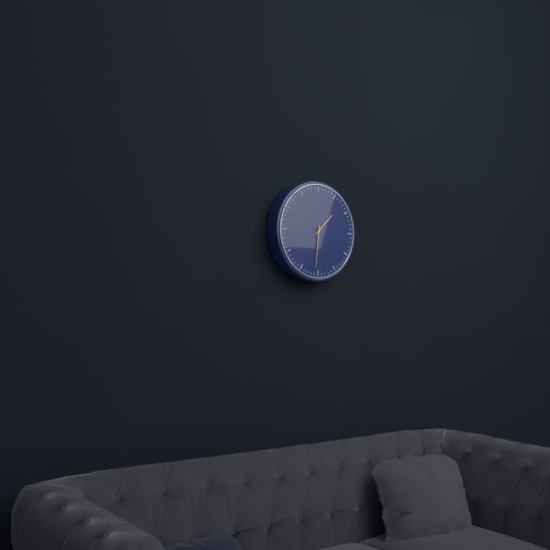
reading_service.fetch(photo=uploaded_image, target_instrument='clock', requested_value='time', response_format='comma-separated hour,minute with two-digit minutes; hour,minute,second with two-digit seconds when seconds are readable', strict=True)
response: 1,31
